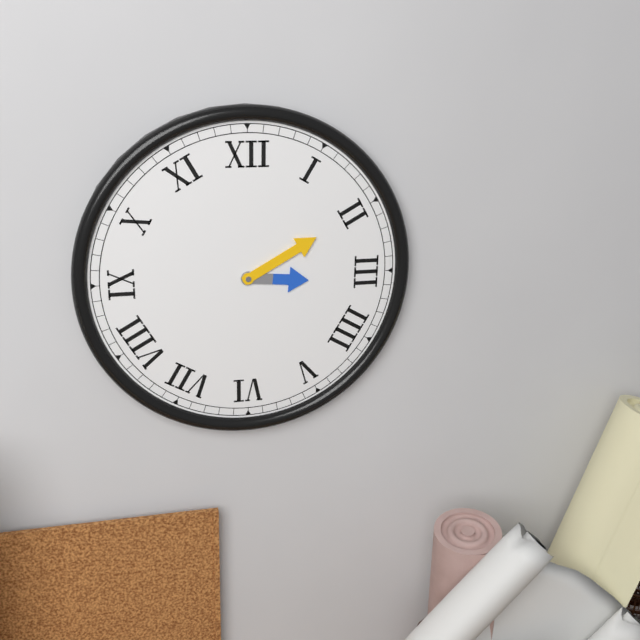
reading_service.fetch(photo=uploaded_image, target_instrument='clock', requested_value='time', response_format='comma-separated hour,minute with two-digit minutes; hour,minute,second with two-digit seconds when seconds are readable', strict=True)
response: 3,10
